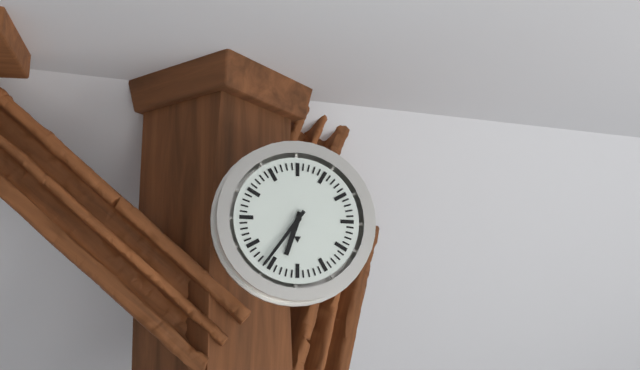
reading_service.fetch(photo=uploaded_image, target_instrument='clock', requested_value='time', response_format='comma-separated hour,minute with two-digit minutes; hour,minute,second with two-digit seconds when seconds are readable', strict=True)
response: 6,36
